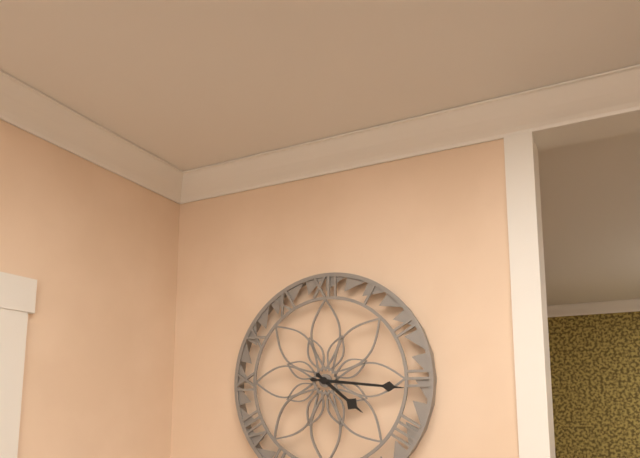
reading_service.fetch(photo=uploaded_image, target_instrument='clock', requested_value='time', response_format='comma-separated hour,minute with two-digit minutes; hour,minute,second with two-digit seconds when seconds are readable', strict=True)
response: 4,16
